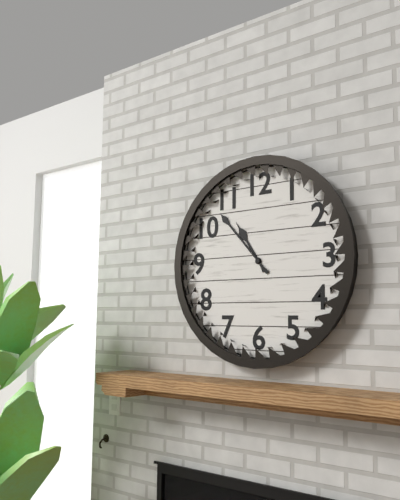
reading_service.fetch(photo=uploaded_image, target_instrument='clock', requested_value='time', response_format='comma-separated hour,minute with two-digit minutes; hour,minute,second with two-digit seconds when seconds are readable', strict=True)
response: 10,53
